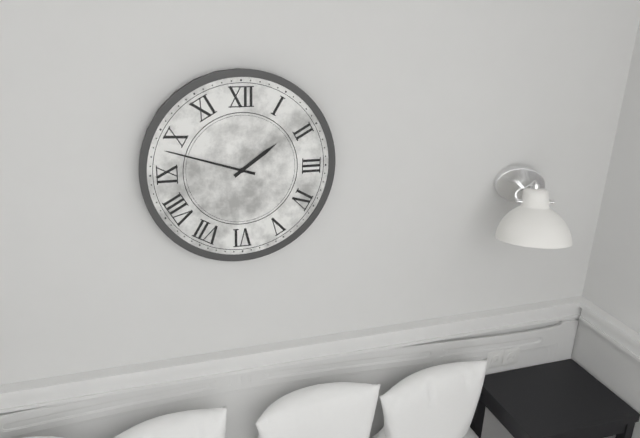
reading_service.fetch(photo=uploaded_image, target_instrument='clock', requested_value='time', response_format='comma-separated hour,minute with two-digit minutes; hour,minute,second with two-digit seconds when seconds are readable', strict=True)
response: 1,48
